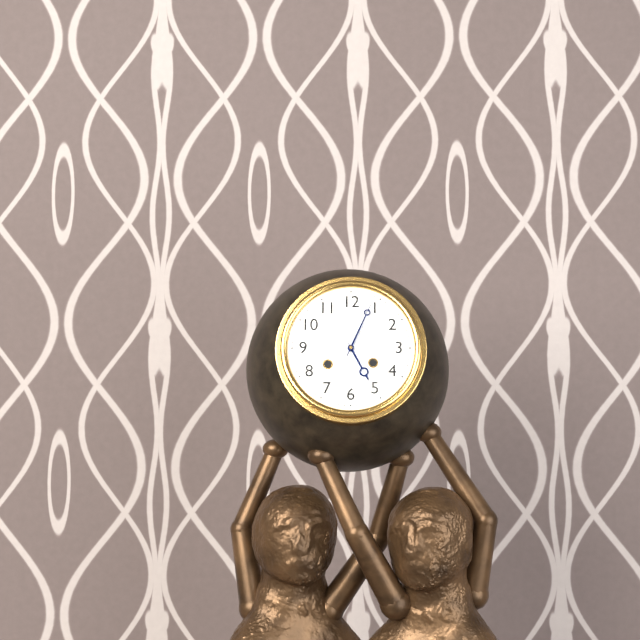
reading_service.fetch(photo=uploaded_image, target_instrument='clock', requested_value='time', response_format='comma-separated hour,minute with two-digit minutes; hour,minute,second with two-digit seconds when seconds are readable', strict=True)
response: 5,04
